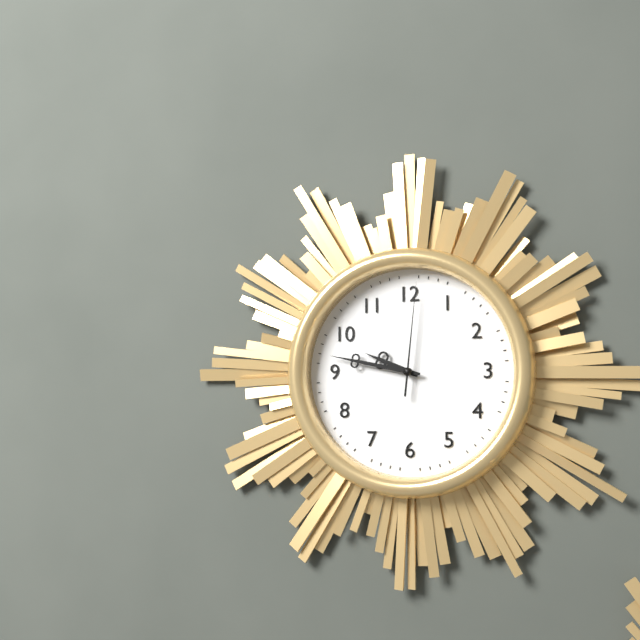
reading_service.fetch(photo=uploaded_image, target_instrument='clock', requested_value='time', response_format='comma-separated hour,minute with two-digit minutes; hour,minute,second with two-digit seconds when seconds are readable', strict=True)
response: 9,47,01
